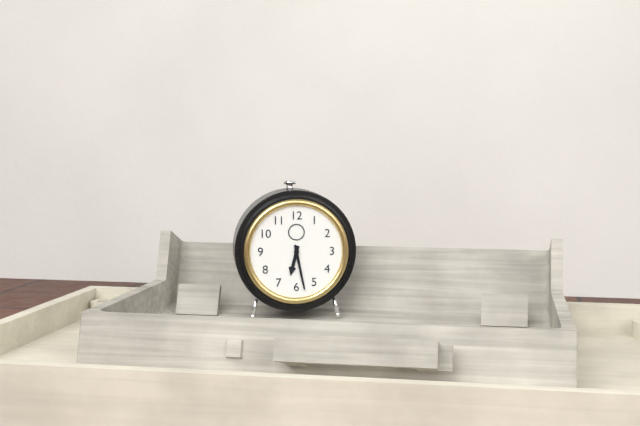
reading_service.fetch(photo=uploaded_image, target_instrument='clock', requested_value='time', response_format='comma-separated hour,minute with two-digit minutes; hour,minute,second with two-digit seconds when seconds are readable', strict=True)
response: 6,28
